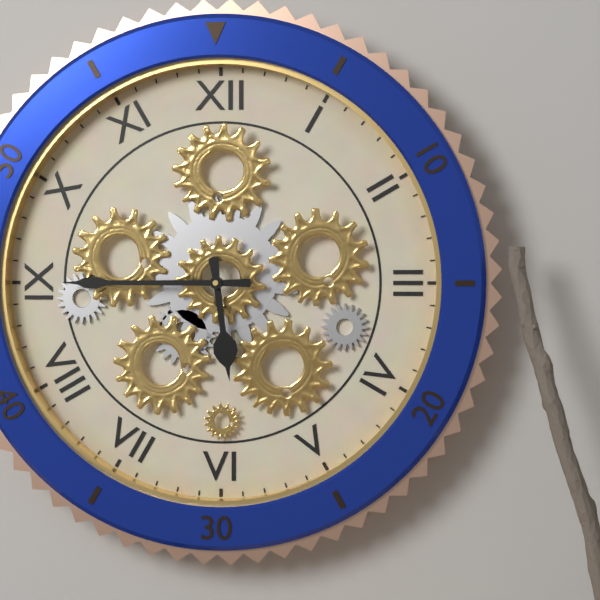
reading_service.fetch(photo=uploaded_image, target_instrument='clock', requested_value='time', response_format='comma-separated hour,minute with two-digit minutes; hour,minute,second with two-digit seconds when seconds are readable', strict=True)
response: 5,45
